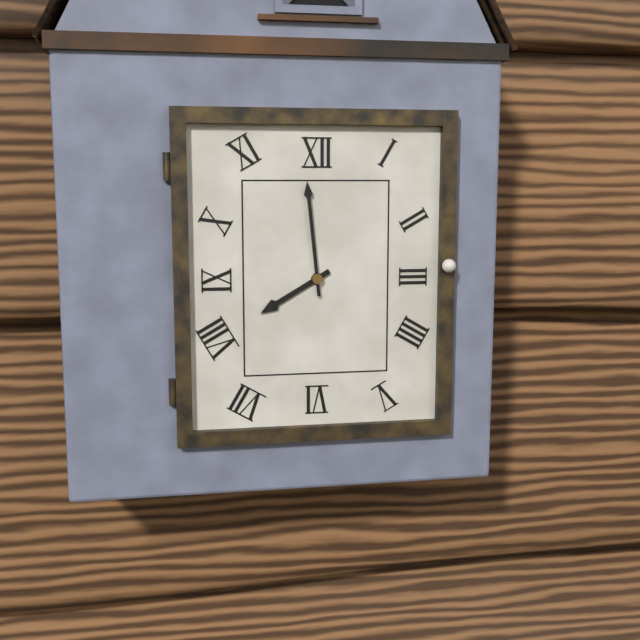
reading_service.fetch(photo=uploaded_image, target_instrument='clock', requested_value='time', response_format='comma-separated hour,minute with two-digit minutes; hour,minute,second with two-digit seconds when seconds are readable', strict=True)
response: 7,59
